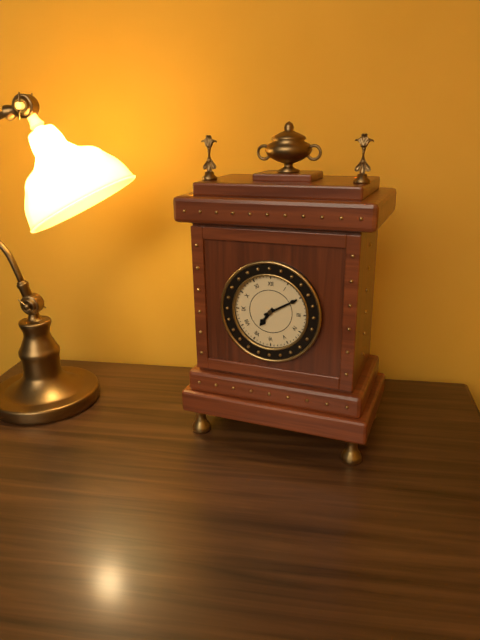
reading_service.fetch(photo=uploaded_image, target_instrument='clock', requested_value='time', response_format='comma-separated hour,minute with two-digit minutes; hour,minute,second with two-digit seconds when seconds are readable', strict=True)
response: 7,10
